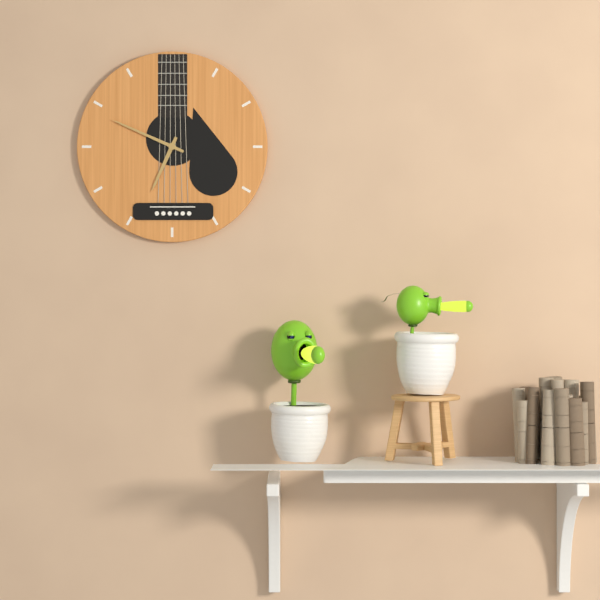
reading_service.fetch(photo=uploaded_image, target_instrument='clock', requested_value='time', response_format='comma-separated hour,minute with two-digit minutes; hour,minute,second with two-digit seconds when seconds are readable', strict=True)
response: 6,49
